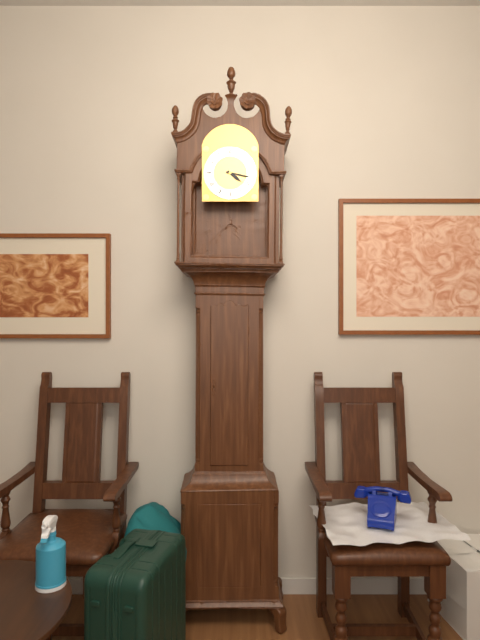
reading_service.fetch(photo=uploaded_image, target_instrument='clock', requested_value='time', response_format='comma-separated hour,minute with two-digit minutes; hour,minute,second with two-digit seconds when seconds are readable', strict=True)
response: 4,17
